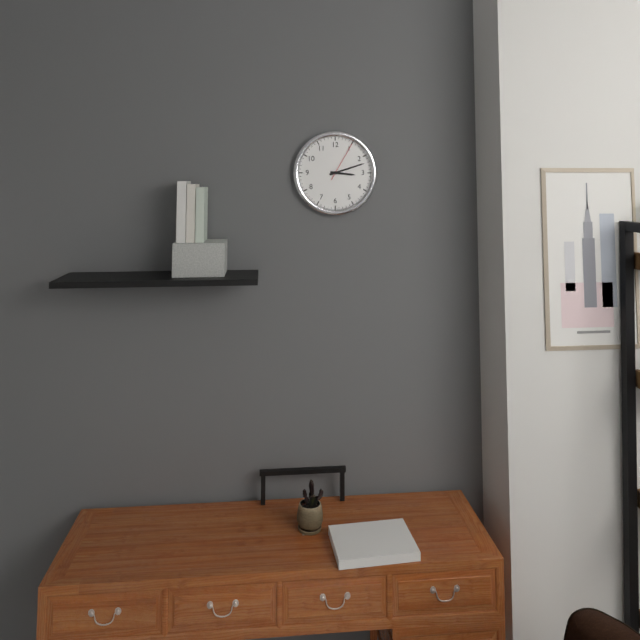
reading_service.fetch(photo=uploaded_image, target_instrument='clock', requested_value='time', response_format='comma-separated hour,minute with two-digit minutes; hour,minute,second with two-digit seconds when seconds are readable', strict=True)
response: 3,12
